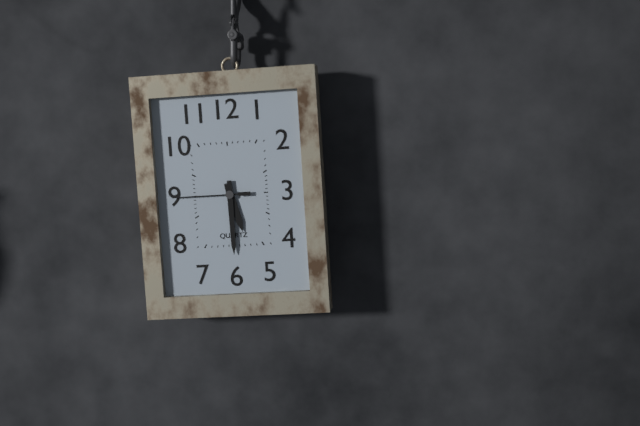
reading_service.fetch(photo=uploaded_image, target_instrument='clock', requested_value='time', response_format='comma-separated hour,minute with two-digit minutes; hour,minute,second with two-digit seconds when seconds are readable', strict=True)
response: 5,30,45
